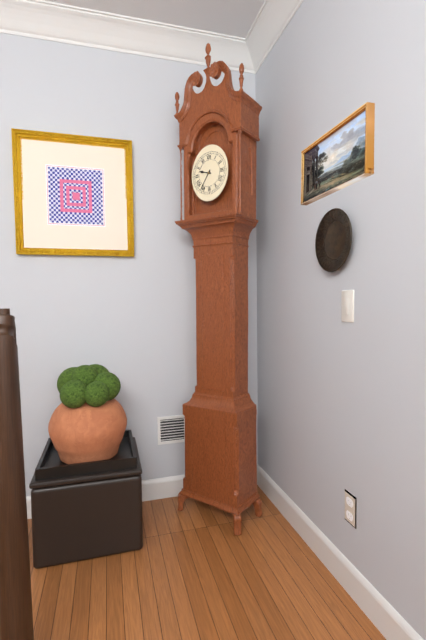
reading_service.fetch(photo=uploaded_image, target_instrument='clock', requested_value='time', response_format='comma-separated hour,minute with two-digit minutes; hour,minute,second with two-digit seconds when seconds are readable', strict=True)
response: 9,36
